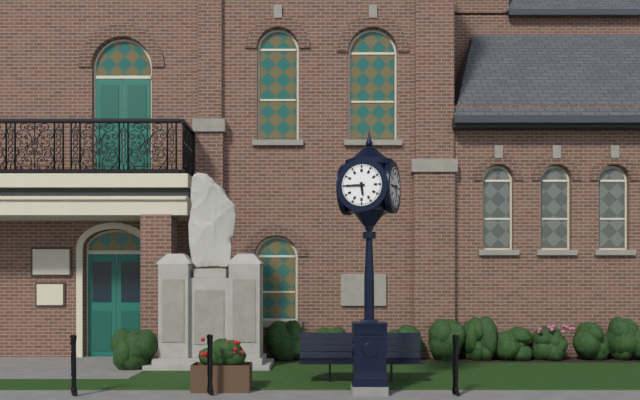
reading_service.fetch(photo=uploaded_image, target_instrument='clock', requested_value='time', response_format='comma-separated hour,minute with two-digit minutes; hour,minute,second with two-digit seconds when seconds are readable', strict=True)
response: 5,45
